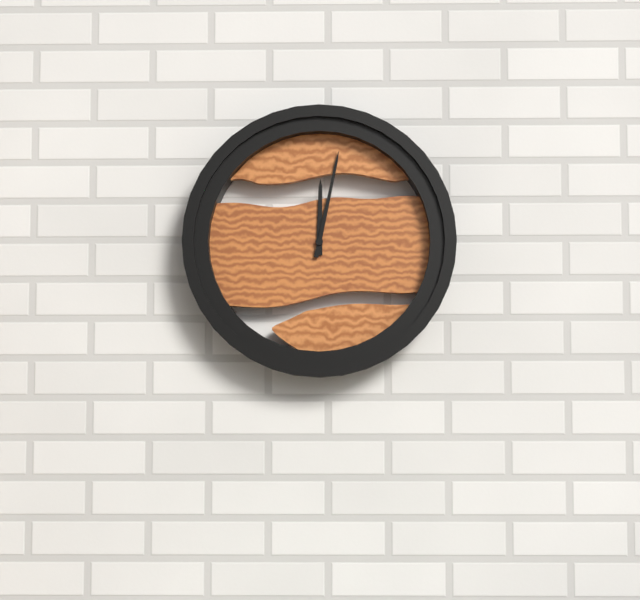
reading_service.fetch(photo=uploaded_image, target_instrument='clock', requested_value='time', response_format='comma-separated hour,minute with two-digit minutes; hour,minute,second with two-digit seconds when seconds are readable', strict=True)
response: 12,02
